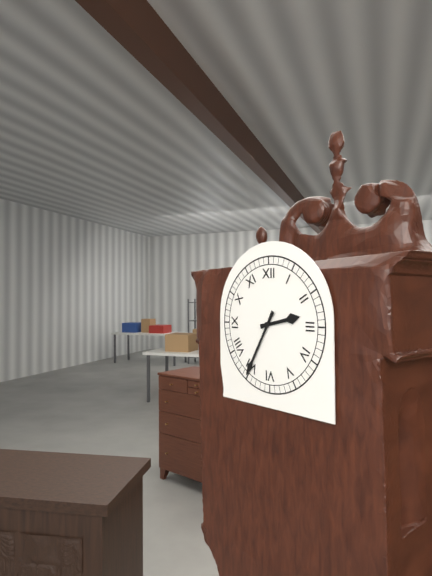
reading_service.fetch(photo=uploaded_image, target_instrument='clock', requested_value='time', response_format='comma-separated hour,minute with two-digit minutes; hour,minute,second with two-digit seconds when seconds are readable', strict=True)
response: 2,35
